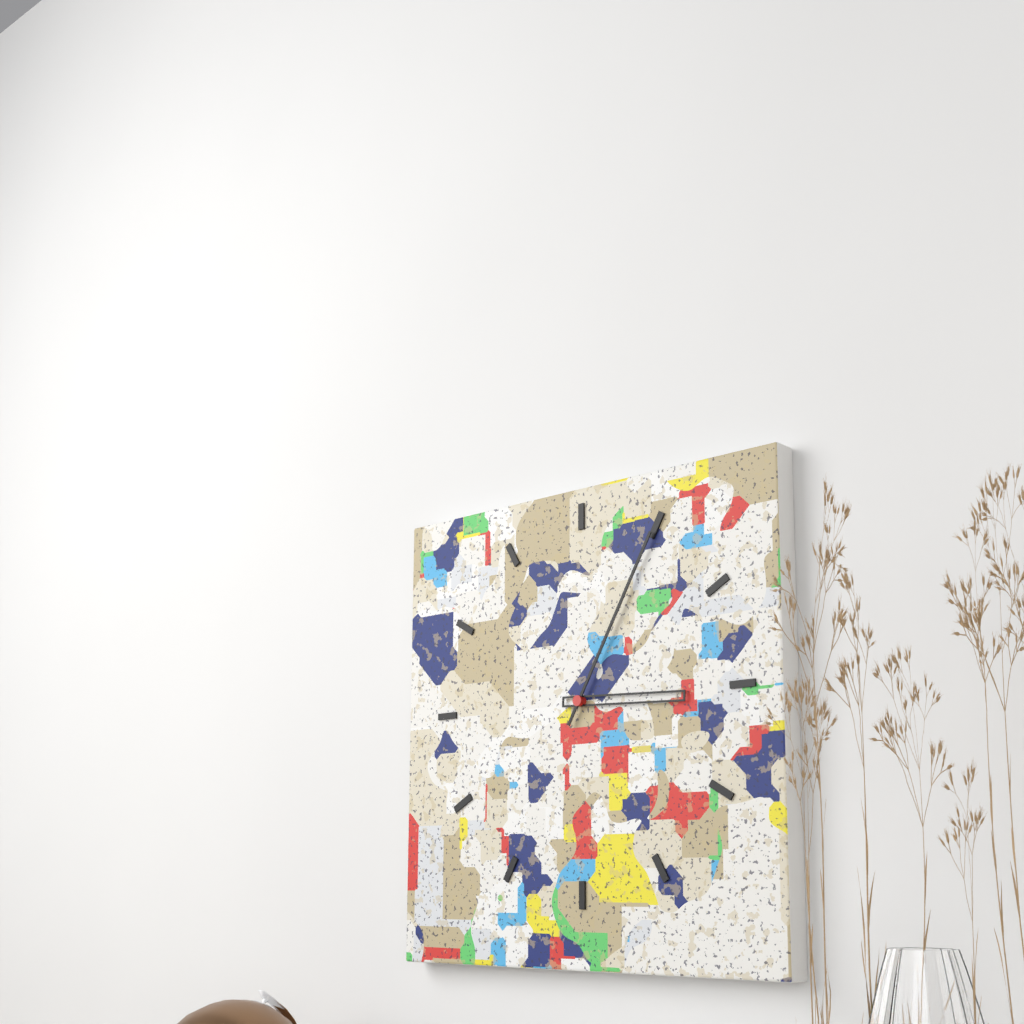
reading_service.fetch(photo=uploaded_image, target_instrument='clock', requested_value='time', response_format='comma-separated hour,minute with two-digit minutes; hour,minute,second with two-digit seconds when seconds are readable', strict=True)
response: 3,05
